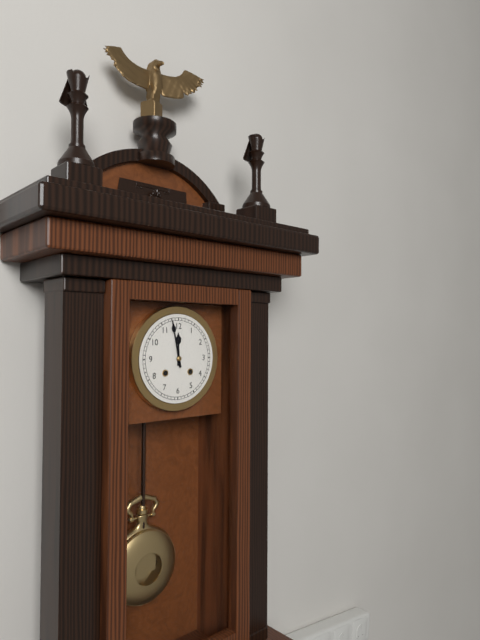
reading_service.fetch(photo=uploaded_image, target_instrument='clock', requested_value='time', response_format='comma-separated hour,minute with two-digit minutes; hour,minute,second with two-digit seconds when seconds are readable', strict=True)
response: 11,58
